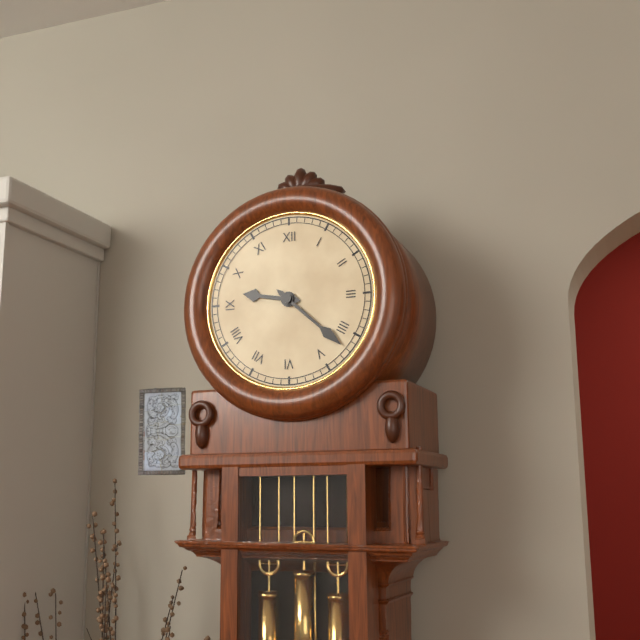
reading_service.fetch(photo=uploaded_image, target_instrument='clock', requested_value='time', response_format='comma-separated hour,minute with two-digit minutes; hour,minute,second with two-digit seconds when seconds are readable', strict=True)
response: 9,22
